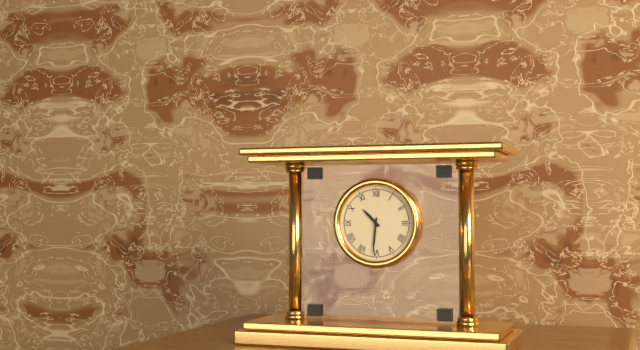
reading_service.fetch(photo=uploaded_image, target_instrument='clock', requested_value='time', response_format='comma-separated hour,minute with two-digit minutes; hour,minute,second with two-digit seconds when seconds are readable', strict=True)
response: 10,31
